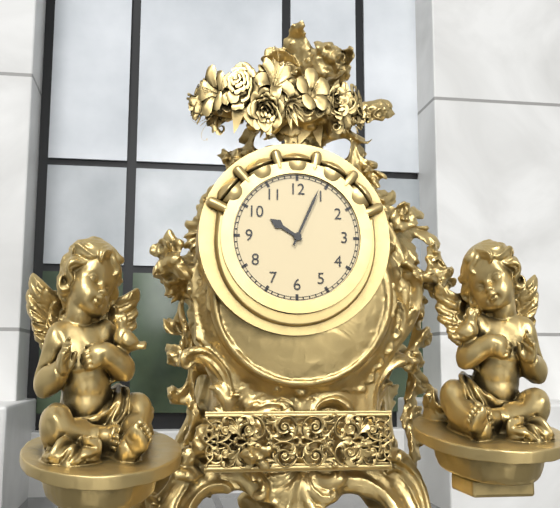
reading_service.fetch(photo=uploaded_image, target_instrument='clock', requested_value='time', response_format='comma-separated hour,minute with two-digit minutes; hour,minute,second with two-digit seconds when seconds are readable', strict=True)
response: 10,04
